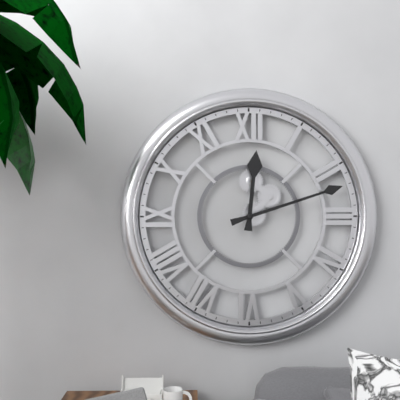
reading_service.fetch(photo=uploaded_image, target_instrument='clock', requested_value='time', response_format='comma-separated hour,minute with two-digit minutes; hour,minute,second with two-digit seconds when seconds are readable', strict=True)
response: 12,12
